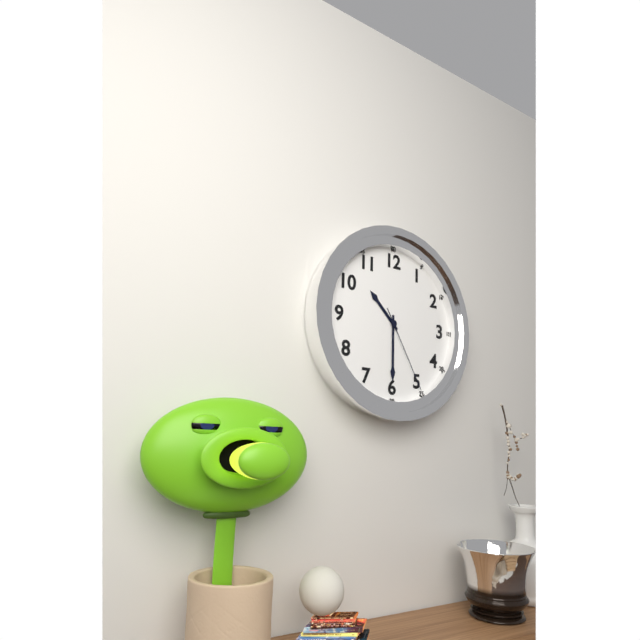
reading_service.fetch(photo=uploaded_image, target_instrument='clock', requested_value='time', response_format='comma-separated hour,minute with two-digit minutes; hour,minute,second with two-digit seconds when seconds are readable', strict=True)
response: 10,30,25
